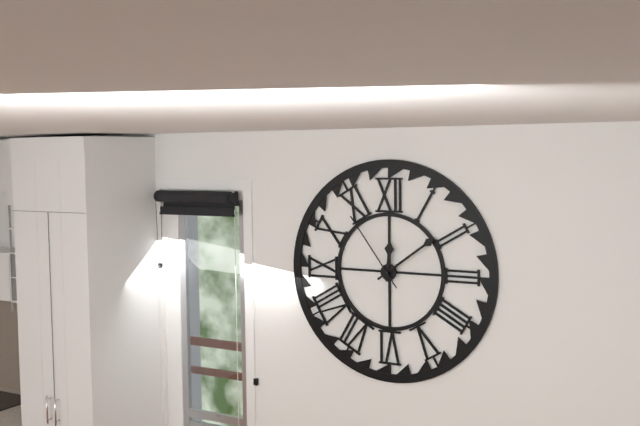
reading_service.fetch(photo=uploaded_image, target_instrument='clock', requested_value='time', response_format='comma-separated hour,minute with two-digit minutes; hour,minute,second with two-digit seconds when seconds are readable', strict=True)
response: 12,09,54
